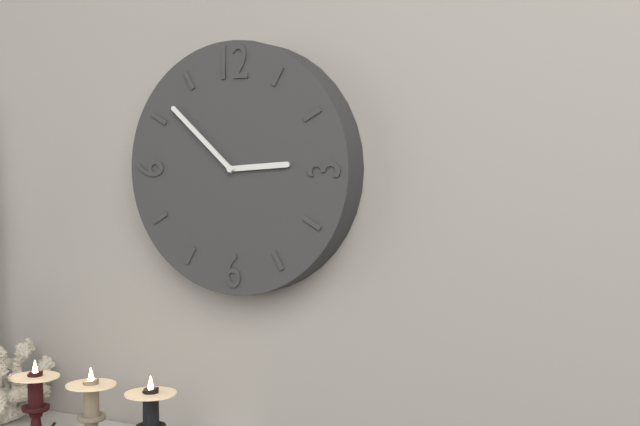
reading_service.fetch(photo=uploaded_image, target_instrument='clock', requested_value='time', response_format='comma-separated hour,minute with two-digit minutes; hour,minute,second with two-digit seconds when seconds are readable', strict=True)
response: 2,52
